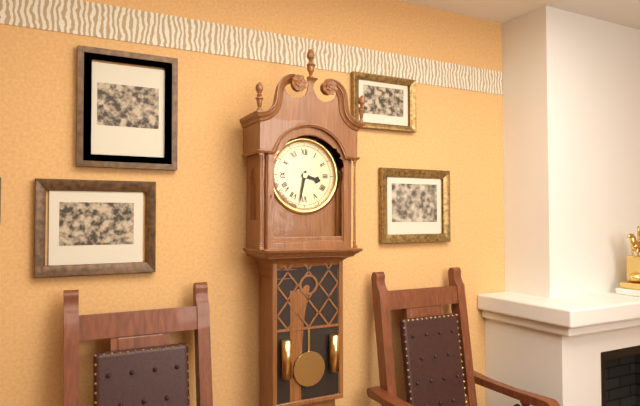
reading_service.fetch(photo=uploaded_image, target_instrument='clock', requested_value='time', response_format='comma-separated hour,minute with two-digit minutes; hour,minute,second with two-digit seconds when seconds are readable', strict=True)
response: 3,32
